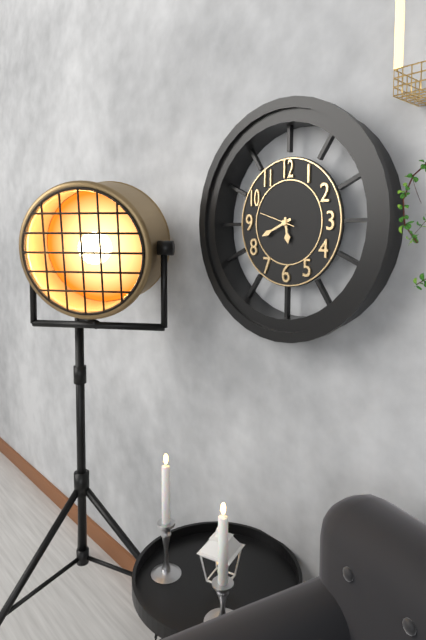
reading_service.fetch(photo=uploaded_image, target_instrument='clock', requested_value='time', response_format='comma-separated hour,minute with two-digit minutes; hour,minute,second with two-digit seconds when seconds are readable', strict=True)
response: 5,41
